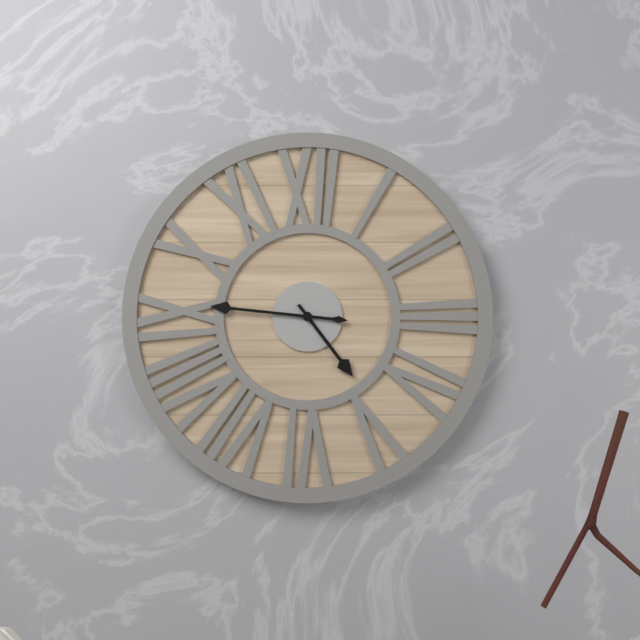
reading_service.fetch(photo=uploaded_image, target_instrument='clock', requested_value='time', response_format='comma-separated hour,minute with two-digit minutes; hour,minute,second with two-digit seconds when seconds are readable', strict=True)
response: 4,46
